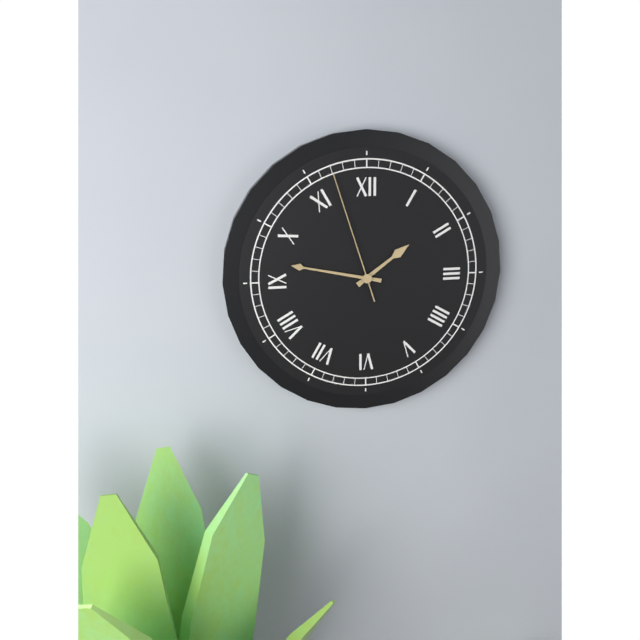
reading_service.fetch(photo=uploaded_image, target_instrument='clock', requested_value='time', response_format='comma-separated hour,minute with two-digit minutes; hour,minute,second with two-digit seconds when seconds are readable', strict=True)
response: 1,47,57
